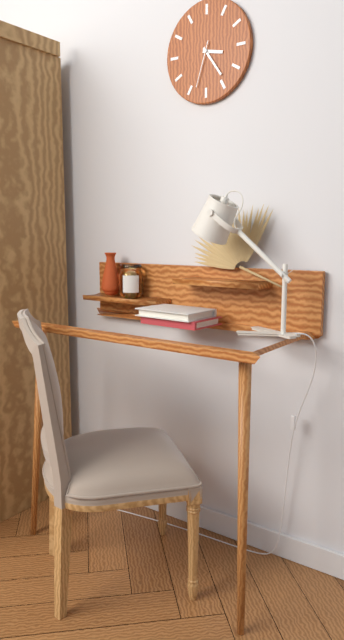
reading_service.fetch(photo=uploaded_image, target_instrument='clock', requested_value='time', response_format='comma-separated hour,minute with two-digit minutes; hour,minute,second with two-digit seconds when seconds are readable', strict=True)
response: 3,24
